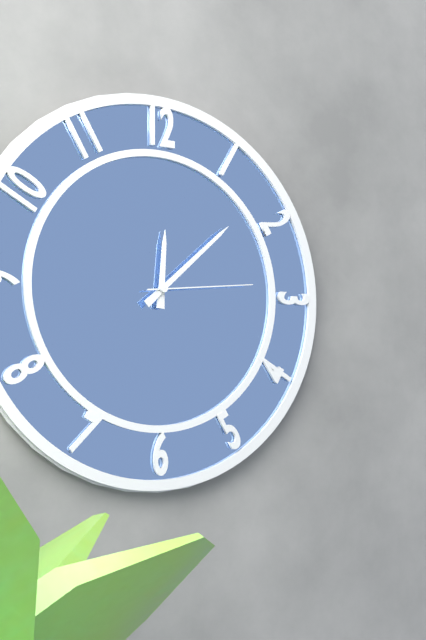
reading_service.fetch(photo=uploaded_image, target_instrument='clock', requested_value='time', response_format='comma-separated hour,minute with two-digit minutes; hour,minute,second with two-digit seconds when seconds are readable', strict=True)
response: 12,08,14
